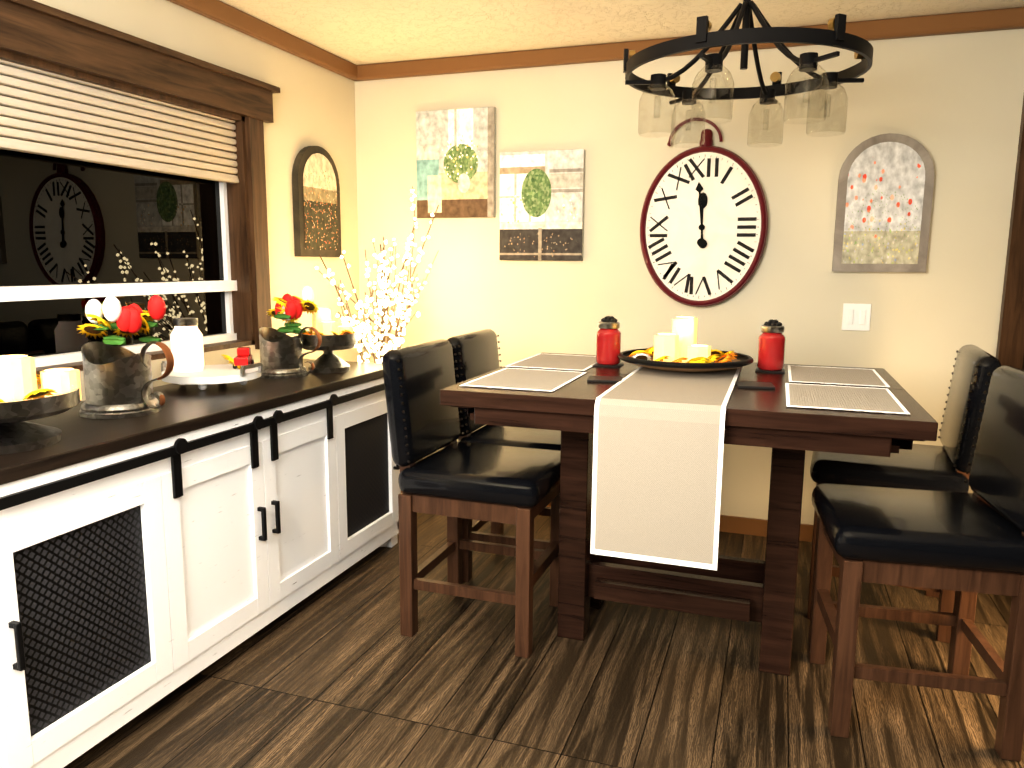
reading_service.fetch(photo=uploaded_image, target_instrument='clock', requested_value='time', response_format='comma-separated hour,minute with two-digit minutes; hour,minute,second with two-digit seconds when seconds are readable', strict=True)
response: 11,59
